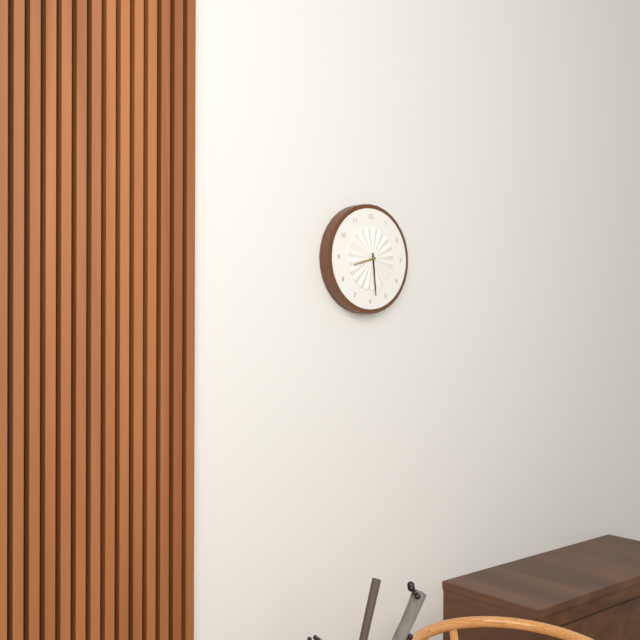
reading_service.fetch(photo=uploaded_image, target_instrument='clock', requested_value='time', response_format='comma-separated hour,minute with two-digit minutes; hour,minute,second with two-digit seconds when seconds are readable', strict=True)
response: 8,29
